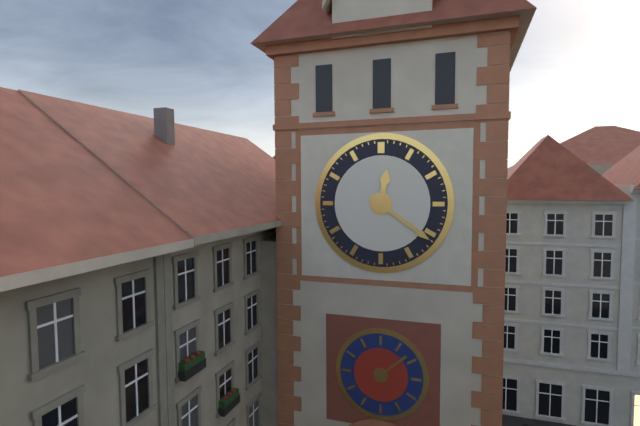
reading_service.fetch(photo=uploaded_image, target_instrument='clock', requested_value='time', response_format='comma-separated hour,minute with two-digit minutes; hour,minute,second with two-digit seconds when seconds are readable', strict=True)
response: 12,21
